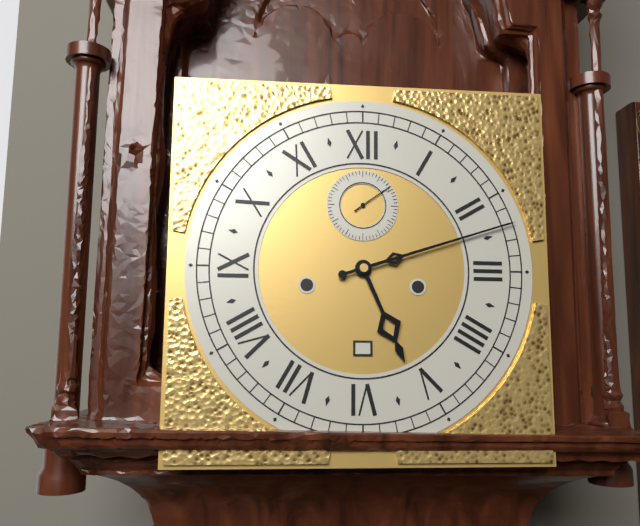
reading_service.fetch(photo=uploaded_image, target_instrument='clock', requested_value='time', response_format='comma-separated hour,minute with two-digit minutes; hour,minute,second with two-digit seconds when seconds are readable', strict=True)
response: 5,12
